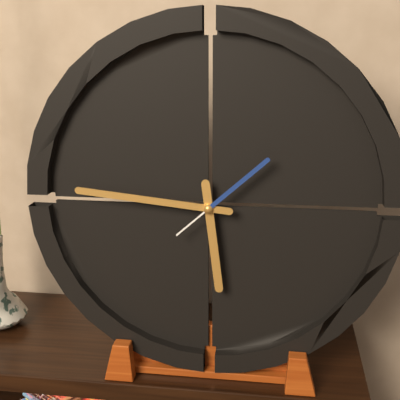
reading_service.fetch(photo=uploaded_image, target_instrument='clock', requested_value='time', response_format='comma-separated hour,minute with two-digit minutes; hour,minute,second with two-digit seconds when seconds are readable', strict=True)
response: 5,46,08
